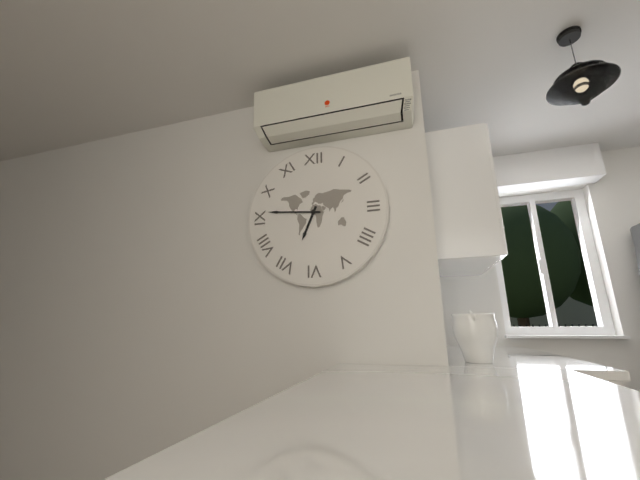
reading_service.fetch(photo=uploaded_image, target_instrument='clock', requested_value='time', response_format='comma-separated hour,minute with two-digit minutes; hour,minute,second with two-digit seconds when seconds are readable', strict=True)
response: 6,46
